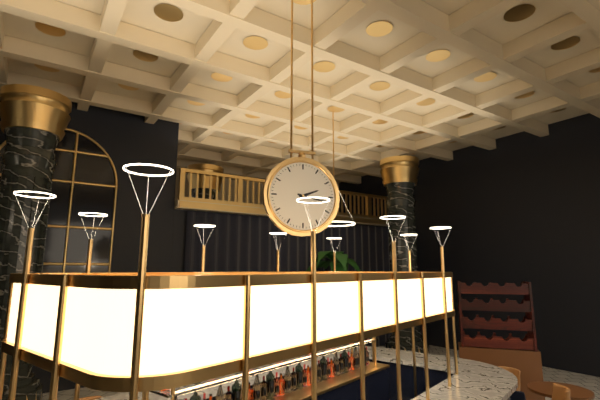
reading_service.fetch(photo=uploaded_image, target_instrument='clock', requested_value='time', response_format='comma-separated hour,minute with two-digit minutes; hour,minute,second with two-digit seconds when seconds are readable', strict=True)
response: 2,17
